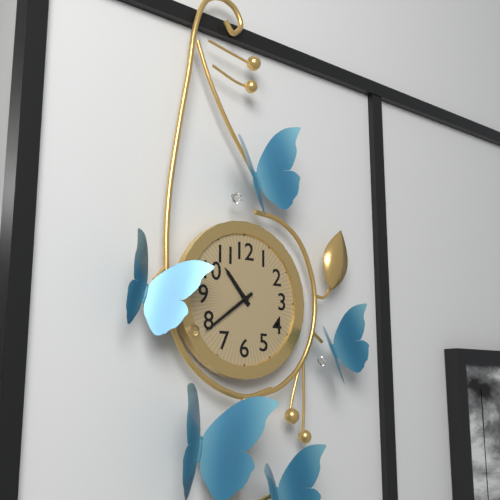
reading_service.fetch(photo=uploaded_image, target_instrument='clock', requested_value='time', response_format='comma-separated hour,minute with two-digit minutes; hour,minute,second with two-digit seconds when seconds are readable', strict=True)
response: 10,39
